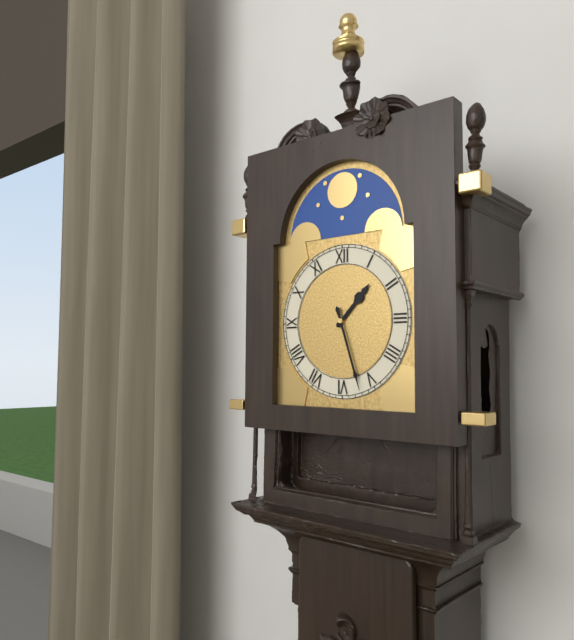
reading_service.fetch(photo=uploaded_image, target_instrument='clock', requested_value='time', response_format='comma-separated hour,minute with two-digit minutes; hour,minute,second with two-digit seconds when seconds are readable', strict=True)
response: 1,27
